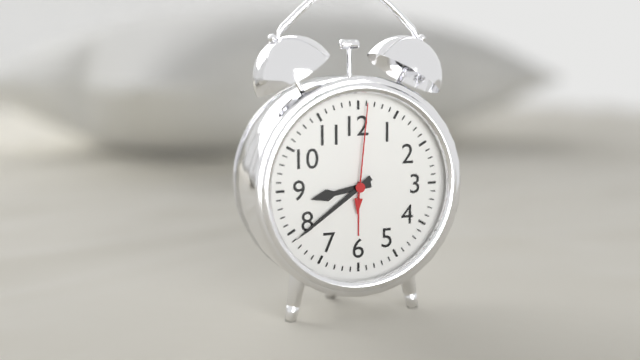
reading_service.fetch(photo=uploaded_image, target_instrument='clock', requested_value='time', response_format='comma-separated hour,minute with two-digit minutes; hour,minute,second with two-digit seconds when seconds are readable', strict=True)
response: 8,39,01
